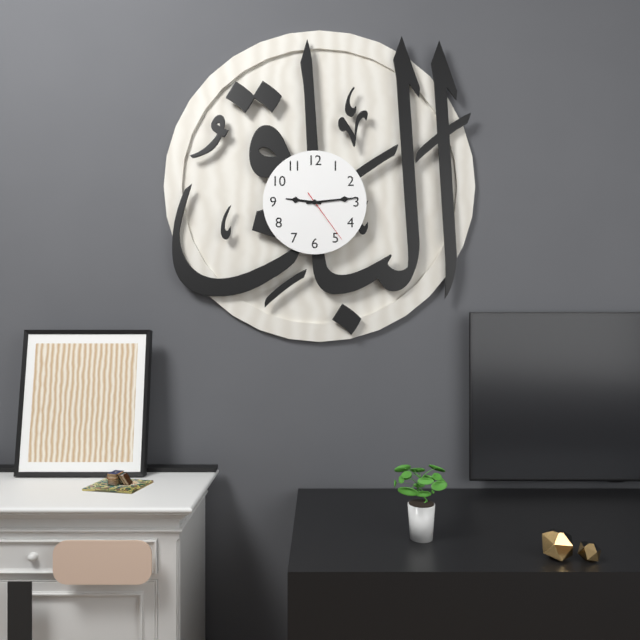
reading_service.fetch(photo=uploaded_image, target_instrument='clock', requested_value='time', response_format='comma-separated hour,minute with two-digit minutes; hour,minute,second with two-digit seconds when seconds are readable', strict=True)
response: 9,14,24
